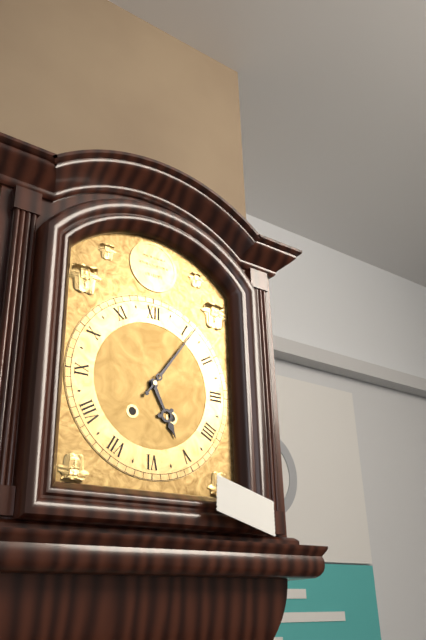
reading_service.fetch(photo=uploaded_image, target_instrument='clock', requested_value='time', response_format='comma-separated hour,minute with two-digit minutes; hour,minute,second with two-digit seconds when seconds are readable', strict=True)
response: 5,06
